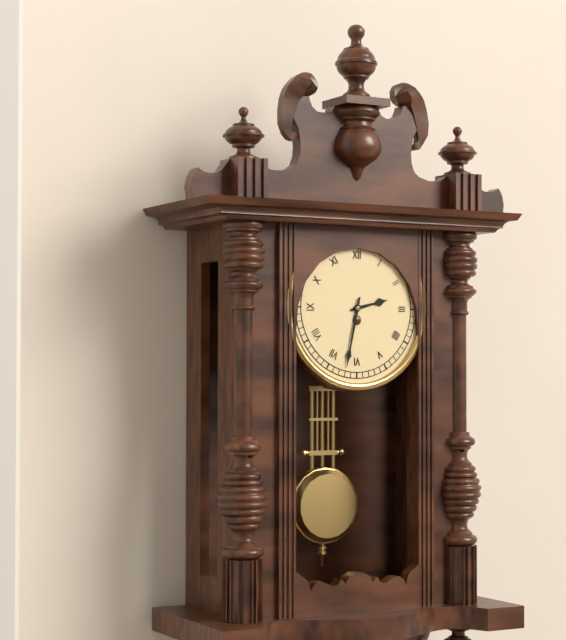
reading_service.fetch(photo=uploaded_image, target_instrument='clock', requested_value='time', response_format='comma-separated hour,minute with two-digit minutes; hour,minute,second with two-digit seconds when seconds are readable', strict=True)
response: 2,32
